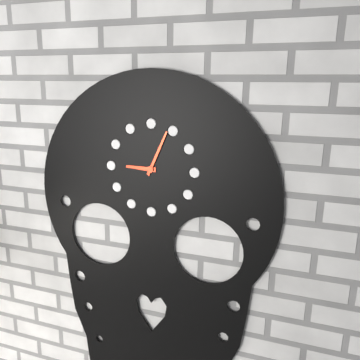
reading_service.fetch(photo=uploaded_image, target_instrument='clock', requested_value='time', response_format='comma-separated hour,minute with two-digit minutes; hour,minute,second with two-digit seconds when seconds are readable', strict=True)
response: 9,04
